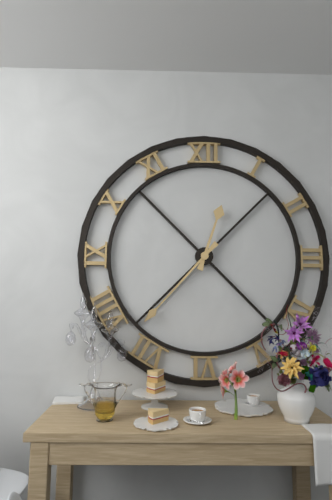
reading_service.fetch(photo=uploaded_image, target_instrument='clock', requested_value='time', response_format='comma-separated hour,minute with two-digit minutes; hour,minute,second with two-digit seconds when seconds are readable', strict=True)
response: 12,37
